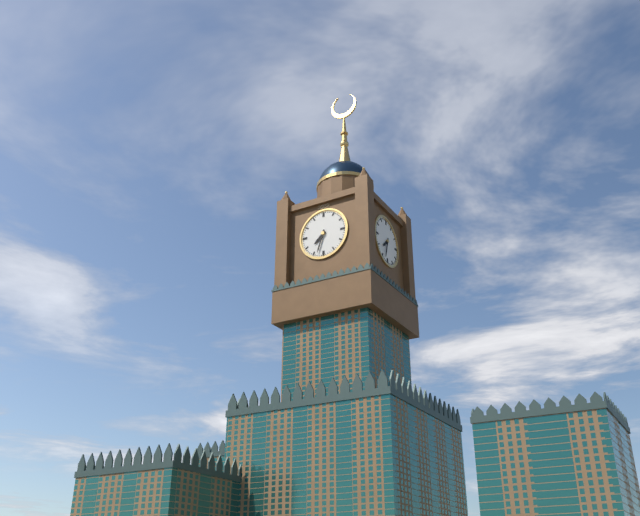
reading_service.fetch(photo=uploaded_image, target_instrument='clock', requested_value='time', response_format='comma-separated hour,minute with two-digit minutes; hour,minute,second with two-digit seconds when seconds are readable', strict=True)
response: 7,33
